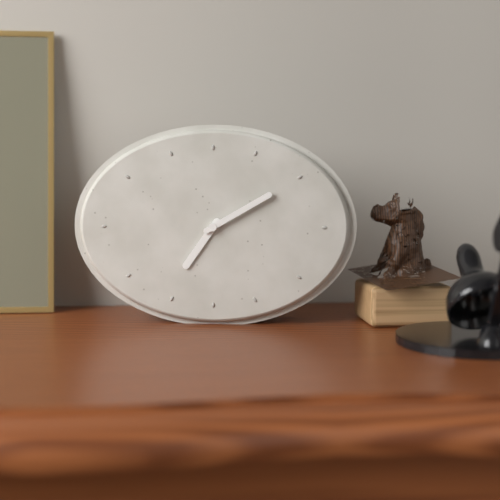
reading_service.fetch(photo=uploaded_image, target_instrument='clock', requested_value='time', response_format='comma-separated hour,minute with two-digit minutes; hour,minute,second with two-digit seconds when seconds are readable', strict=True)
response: 7,10
